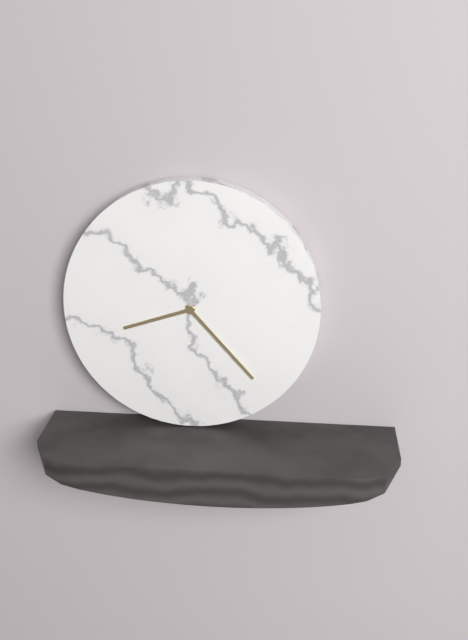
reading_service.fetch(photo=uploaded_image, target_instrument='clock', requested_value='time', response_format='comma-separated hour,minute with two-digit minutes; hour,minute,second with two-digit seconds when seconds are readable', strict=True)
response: 8,23
